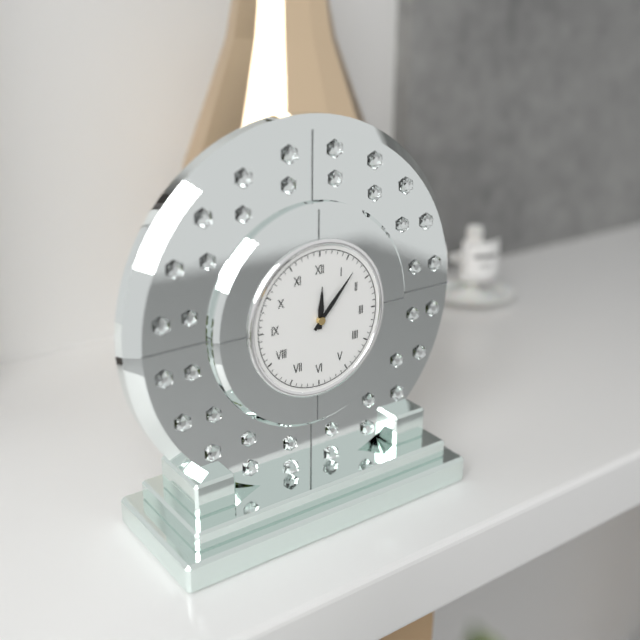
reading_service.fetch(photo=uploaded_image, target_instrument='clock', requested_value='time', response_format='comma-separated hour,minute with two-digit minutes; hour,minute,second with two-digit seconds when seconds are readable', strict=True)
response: 12,07
